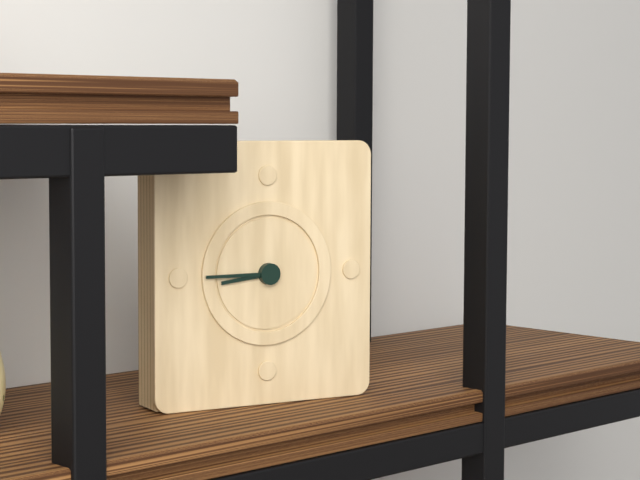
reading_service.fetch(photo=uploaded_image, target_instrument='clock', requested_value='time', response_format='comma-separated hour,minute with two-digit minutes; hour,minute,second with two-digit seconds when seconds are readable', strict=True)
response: 8,45
